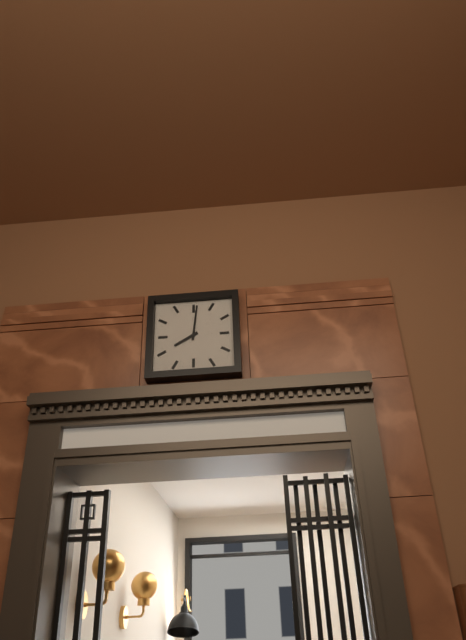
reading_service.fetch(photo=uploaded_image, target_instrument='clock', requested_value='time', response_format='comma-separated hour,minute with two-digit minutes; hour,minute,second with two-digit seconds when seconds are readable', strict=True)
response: 8,01
